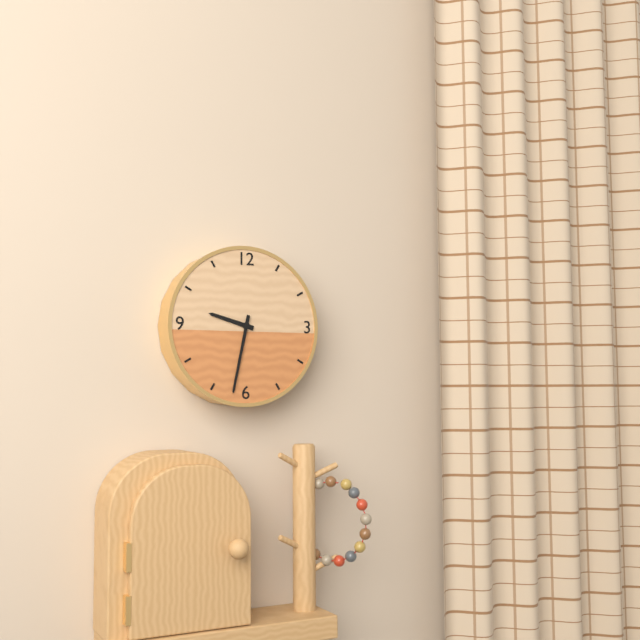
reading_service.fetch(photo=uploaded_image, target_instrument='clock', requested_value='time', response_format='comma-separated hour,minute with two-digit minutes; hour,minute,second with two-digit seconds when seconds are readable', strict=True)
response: 9,32
